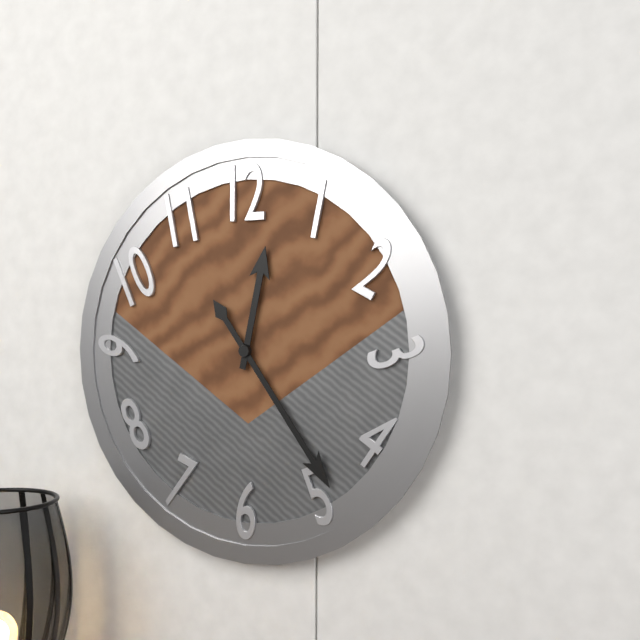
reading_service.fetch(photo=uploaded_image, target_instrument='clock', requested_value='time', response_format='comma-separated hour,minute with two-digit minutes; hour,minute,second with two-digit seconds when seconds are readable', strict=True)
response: 12,24
